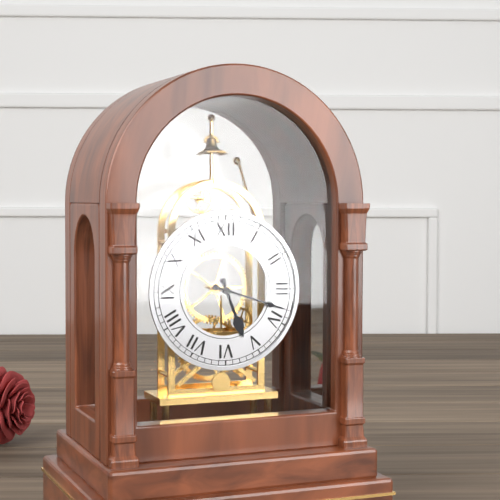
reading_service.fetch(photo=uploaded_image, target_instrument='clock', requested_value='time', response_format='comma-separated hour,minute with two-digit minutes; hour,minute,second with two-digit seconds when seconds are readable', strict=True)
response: 5,18
